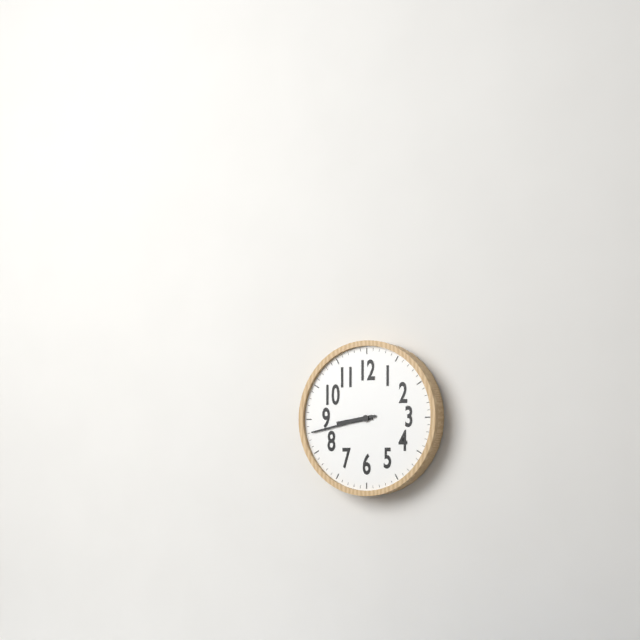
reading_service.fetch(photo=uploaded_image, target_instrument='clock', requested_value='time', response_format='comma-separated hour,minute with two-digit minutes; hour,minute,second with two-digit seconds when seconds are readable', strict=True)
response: 8,43
